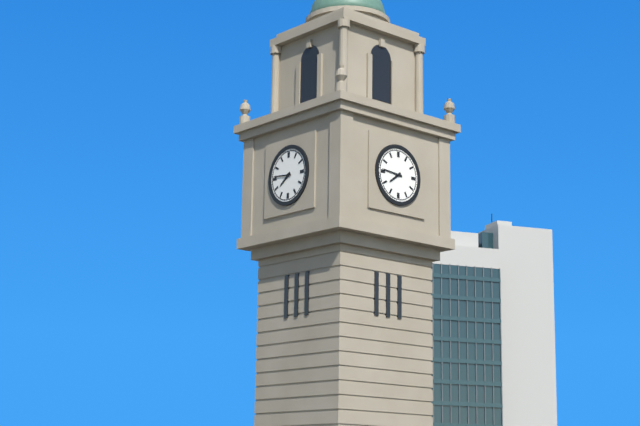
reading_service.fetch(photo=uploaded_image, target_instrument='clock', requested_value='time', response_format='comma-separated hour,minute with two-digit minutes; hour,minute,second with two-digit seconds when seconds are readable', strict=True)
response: 7,46
